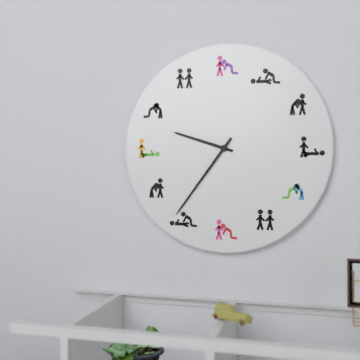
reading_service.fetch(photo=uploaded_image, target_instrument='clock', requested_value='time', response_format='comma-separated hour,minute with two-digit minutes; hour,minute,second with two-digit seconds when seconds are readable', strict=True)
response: 9,36
